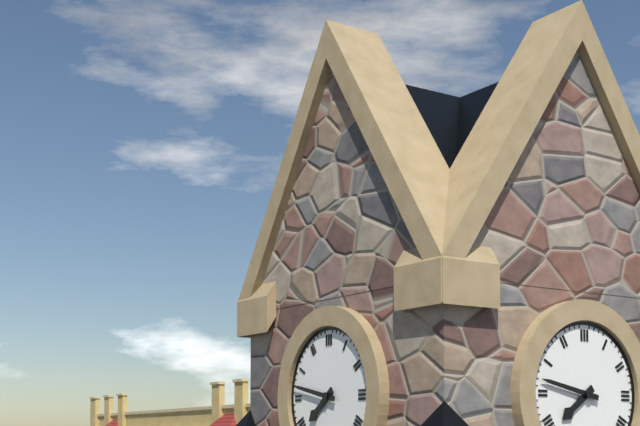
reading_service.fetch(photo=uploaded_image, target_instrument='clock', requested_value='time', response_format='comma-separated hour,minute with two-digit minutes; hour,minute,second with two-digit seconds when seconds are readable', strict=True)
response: 7,47
